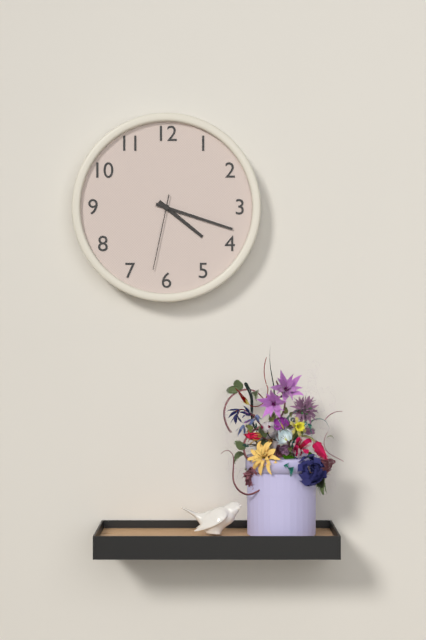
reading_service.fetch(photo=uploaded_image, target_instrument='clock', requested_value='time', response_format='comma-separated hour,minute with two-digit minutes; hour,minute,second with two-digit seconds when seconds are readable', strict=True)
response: 4,18,32
